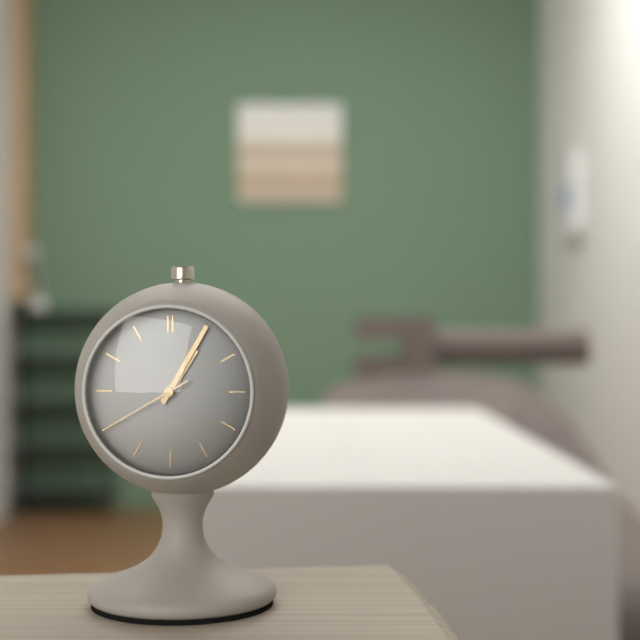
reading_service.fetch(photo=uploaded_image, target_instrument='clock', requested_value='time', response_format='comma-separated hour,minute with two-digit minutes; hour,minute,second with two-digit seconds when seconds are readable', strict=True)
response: 1,05,40
